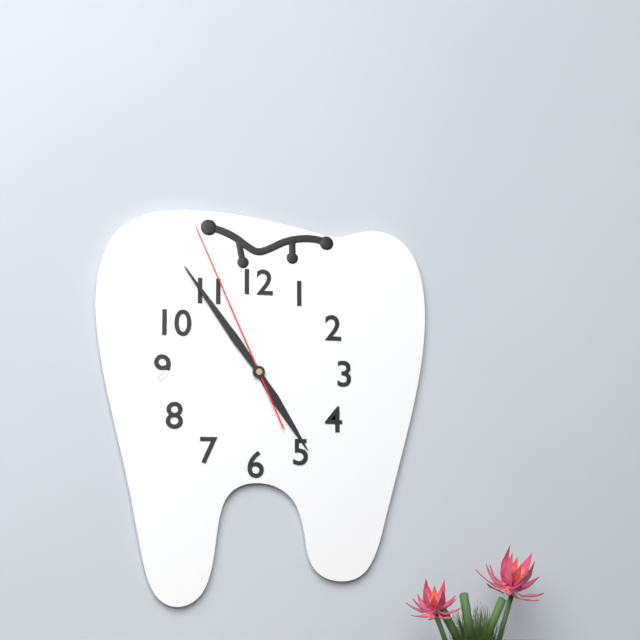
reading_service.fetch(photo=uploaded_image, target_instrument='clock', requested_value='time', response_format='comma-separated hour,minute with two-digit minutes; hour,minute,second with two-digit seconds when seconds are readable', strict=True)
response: 4,54,56
